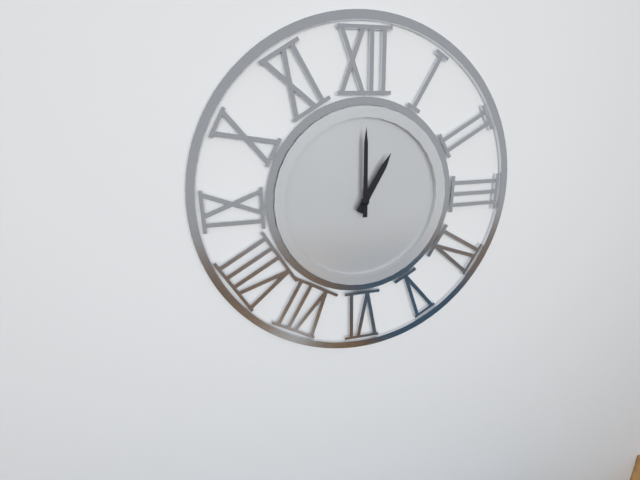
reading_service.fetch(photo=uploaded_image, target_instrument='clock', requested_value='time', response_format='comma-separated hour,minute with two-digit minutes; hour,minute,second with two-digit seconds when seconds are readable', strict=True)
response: 1,00
